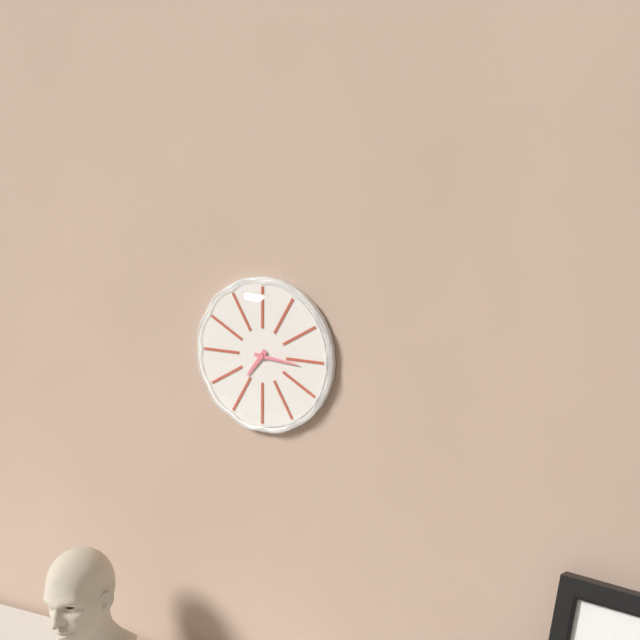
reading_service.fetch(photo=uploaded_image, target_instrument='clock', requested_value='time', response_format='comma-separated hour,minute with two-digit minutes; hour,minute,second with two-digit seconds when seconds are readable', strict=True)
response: 7,16
